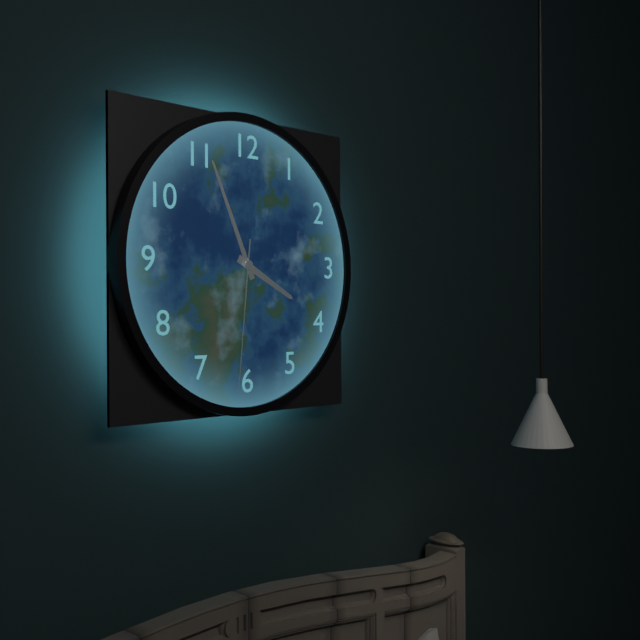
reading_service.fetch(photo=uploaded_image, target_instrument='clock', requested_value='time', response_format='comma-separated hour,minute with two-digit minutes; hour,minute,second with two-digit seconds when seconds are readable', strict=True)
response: 3,56,31
